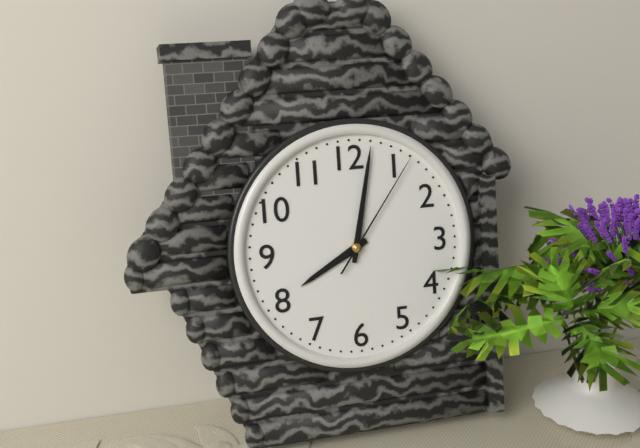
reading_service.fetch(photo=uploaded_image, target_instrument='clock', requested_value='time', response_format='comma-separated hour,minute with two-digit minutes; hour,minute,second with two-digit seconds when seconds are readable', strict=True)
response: 8,02,06
